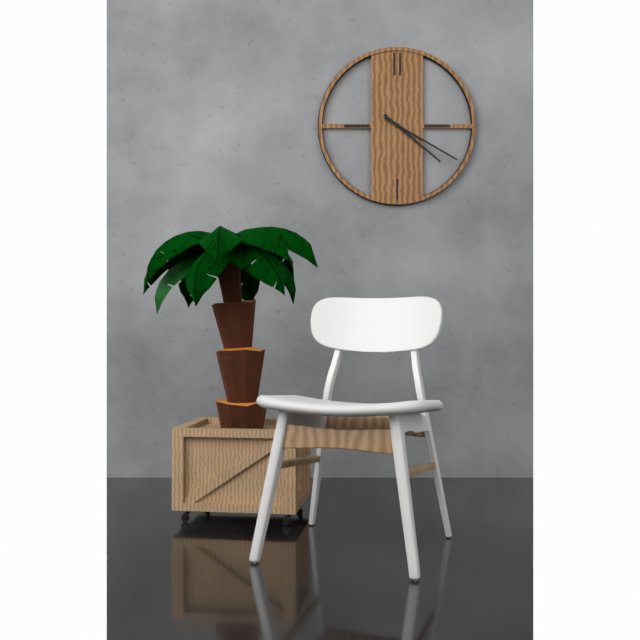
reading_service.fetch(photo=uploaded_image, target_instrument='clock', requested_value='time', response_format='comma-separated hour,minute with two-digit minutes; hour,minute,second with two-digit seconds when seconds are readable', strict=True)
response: 4,20
